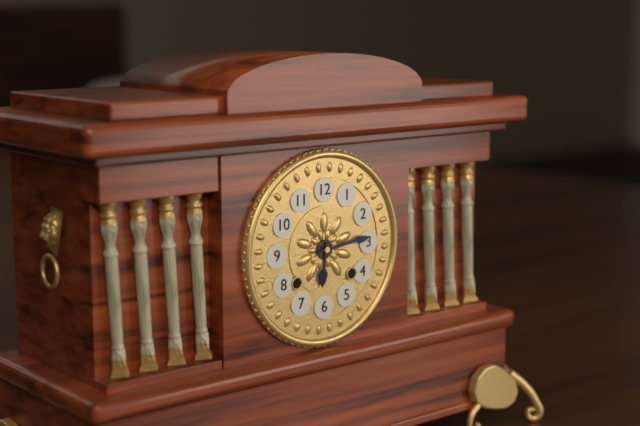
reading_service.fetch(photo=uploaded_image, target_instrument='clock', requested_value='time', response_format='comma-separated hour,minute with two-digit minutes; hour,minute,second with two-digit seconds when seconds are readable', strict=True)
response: 6,14
